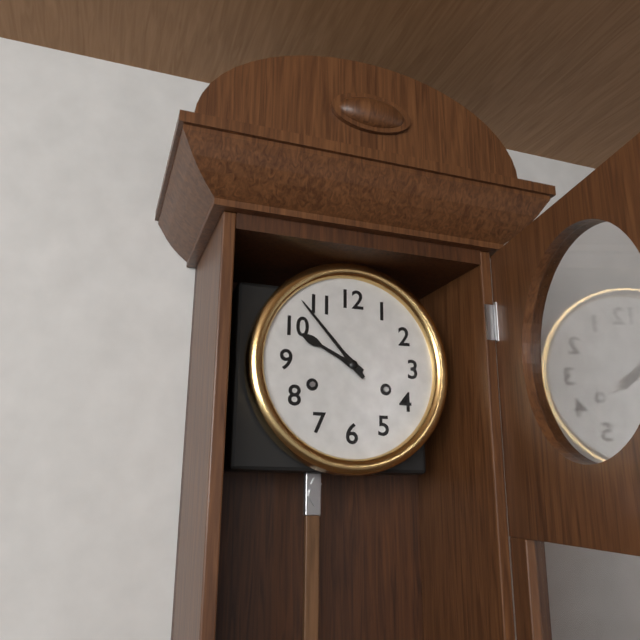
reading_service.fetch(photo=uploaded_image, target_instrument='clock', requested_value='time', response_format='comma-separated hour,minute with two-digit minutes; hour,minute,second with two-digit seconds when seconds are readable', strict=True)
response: 9,53
